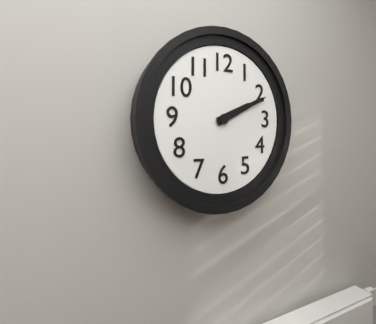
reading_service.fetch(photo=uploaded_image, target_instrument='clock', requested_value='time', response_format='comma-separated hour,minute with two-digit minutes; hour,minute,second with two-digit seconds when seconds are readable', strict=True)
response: 2,11
